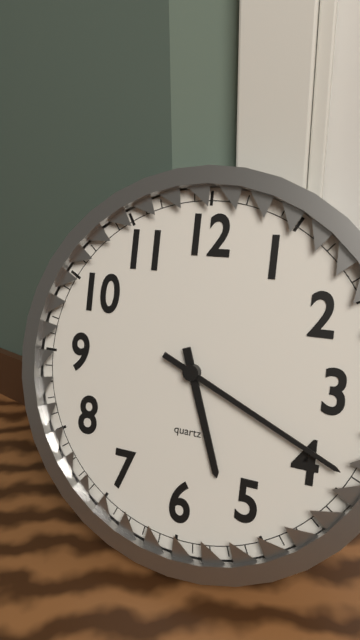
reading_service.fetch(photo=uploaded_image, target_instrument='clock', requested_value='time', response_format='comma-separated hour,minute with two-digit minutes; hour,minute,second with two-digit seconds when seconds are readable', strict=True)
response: 5,19
